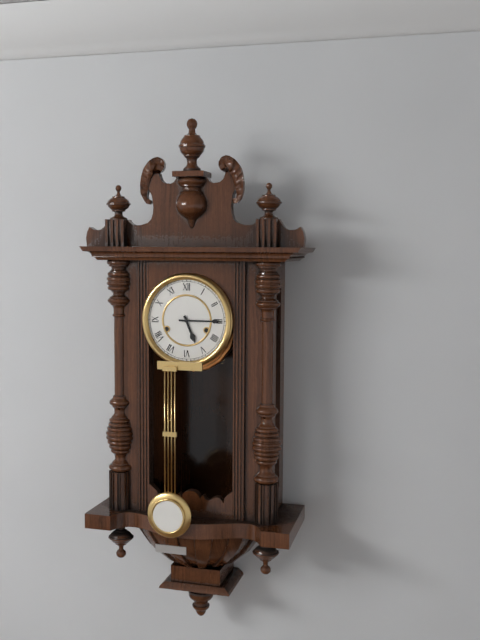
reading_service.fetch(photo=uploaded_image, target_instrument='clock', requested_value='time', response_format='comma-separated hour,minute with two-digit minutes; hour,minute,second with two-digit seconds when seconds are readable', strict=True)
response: 5,15
